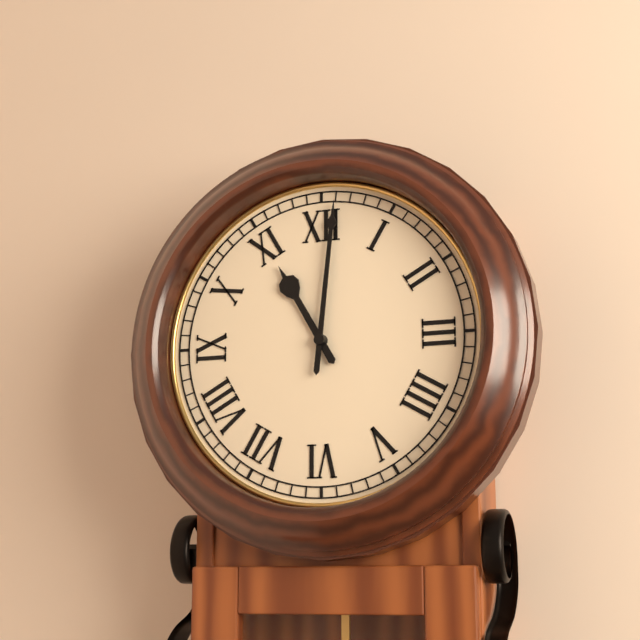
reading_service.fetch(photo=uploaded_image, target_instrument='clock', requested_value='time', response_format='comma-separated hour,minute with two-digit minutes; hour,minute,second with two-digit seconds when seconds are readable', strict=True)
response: 11,01
